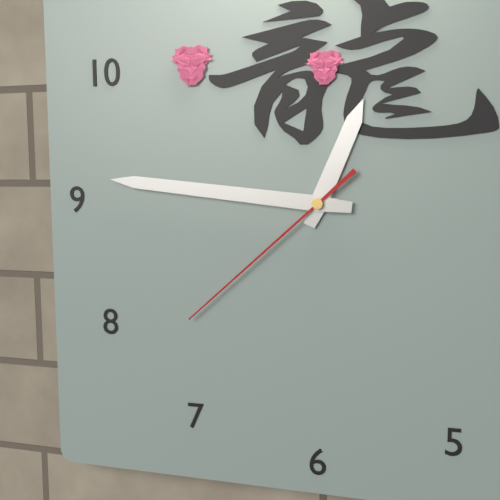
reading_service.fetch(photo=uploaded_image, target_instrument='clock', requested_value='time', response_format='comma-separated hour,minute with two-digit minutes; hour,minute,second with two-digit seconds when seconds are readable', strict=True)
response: 12,46,38
